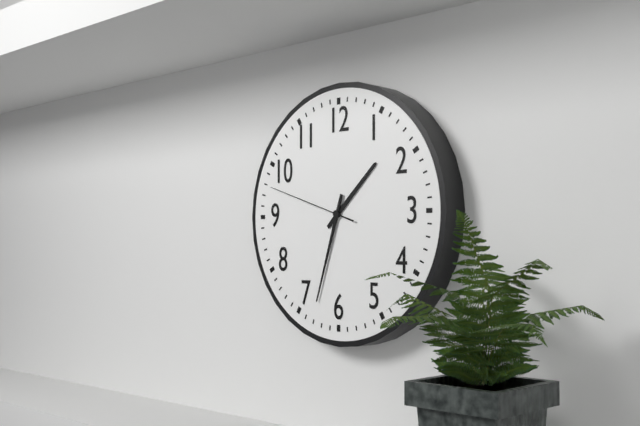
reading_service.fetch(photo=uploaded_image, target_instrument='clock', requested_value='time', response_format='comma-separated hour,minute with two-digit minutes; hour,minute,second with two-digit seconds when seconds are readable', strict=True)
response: 1,33,48
